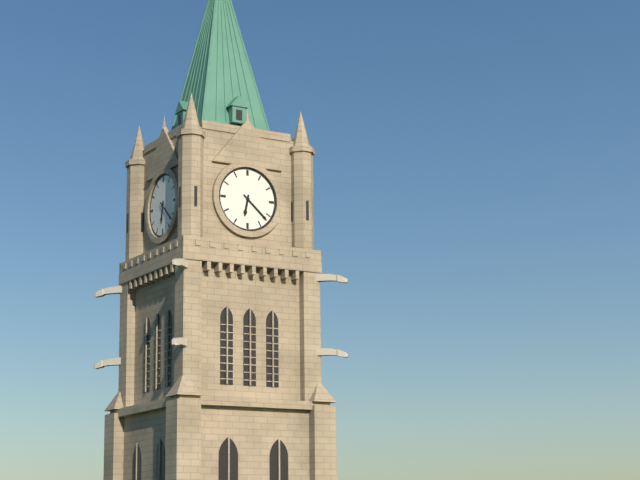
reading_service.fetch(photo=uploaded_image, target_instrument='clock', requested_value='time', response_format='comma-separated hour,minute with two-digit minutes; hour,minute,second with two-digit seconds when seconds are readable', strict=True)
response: 6,22
